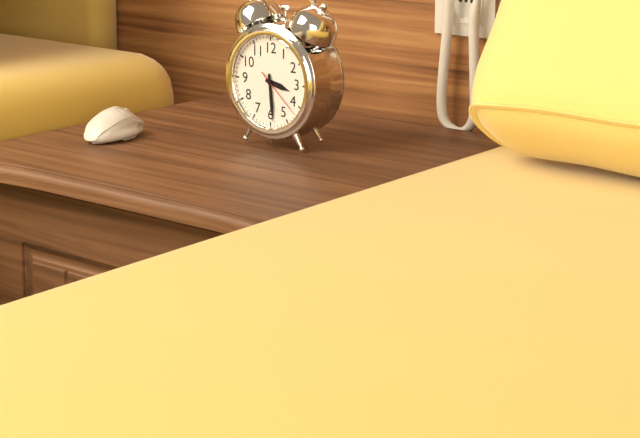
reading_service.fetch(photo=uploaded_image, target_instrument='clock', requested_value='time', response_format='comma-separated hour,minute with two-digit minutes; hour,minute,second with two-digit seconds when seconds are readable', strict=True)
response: 3,29,22
